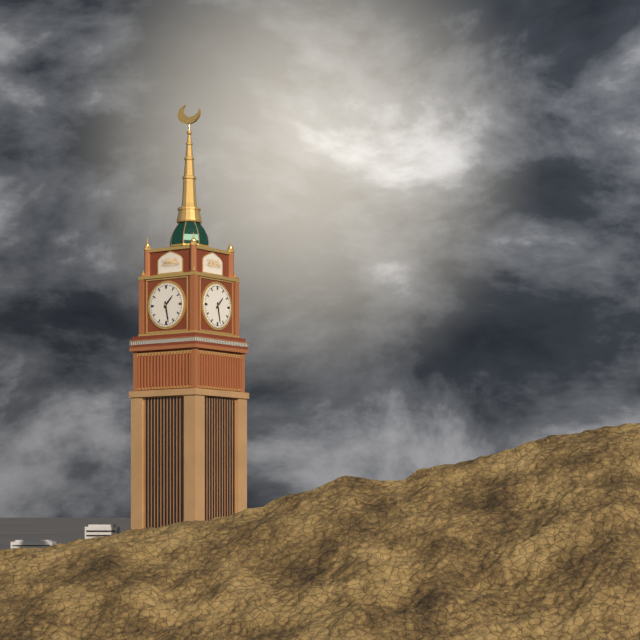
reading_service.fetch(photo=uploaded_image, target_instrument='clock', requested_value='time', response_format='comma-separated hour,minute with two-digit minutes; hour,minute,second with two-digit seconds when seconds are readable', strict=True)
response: 1,28
